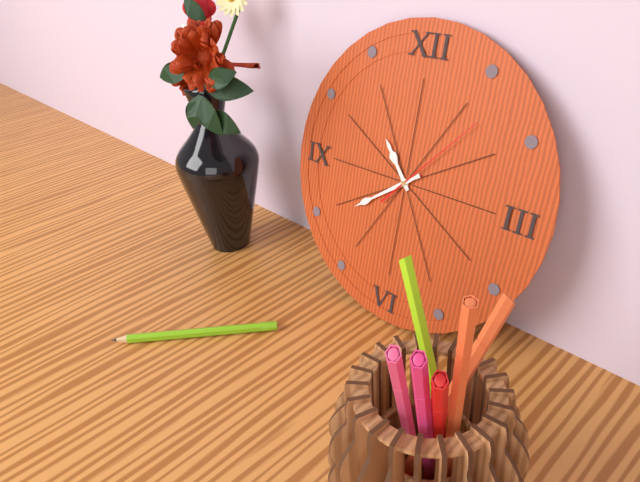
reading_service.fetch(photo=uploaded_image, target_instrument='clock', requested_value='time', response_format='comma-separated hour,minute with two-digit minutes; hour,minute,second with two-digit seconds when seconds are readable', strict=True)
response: 10,39,07
